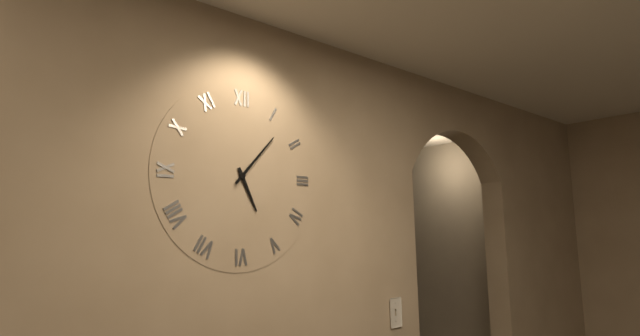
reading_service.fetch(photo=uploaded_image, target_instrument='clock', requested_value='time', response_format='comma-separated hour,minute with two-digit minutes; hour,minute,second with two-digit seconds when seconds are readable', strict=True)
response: 5,07
